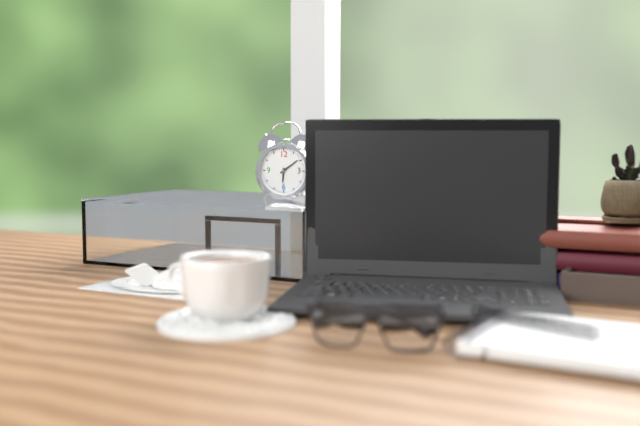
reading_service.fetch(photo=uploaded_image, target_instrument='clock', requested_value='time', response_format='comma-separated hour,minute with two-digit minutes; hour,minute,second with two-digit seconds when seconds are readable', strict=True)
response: 6,09
